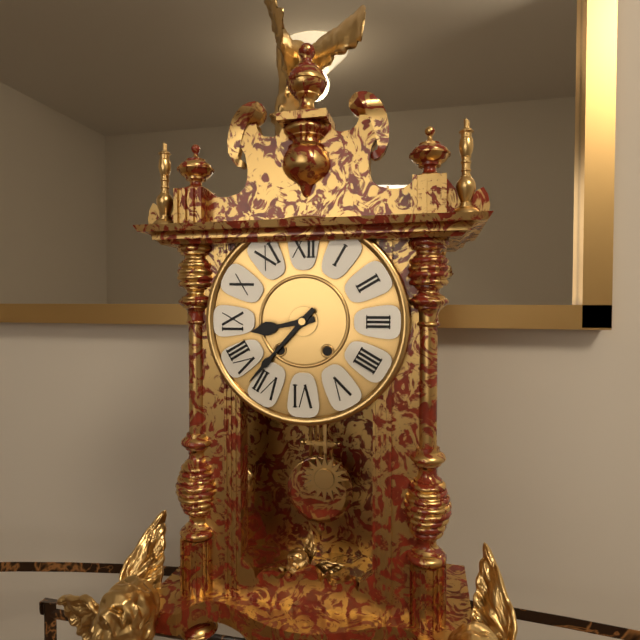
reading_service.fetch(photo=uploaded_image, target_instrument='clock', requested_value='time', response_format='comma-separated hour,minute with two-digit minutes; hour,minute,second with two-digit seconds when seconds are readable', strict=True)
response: 8,37
